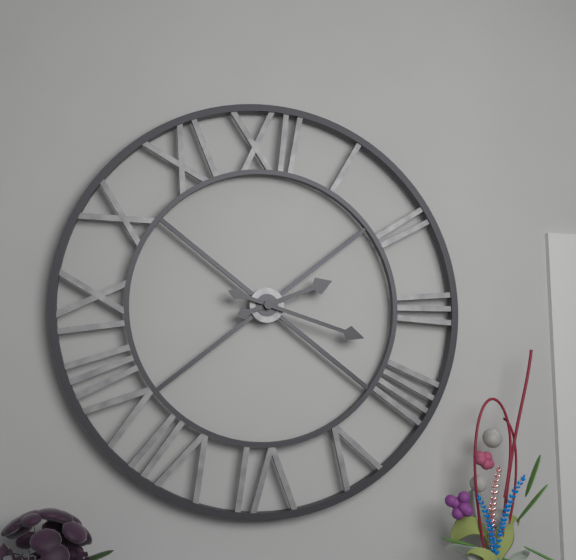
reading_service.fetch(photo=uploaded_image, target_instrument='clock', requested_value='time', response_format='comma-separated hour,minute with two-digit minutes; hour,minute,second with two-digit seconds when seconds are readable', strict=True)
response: 2,18
